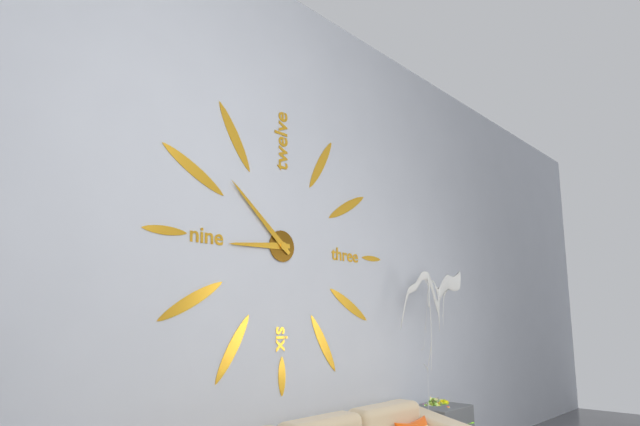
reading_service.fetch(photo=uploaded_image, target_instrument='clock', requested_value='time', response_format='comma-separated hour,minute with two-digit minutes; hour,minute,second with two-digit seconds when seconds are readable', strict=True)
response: 8,52
